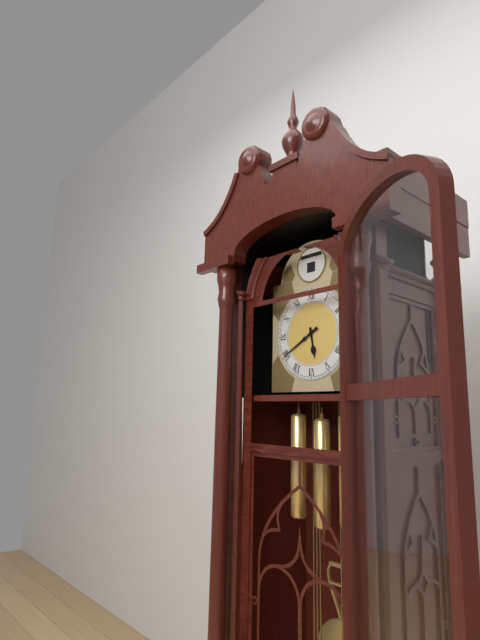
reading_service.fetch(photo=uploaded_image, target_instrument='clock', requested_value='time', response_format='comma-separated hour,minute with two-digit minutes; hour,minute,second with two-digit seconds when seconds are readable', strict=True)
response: 5,40
